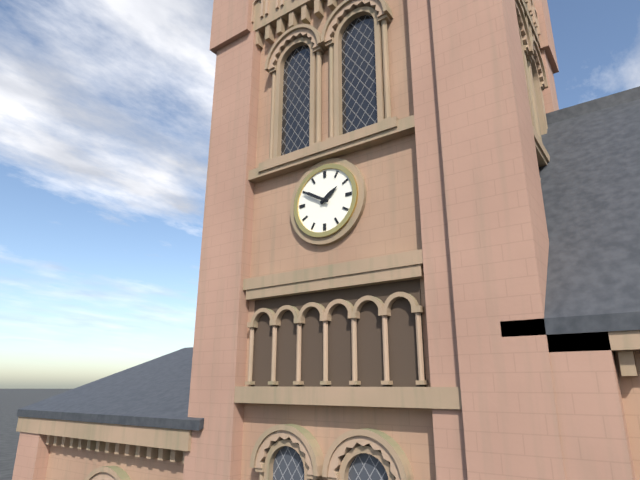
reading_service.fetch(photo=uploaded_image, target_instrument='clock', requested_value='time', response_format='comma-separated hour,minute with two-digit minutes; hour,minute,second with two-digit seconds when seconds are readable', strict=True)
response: 1,50
